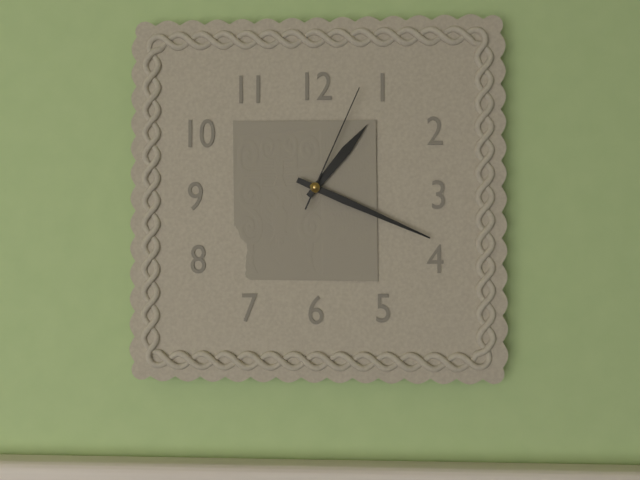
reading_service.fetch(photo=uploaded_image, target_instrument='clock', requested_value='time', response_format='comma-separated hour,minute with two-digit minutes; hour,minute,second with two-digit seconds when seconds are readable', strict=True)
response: 1,19,04
